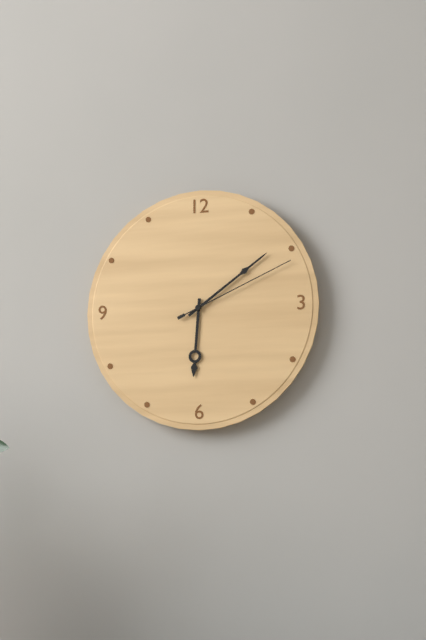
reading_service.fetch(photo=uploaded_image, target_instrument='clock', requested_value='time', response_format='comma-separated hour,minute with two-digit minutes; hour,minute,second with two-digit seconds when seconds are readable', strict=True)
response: 6,09,11
